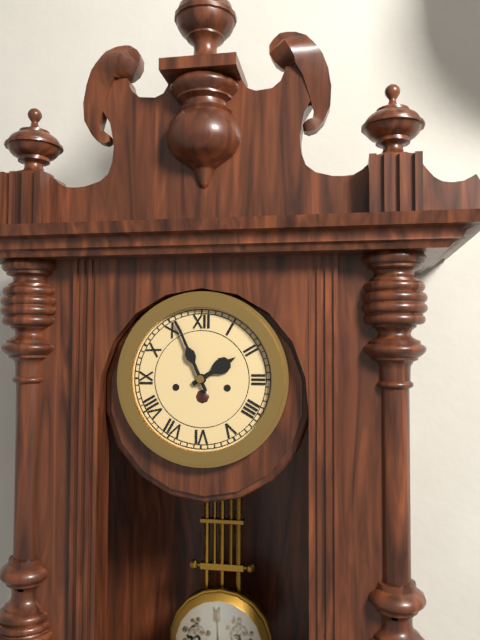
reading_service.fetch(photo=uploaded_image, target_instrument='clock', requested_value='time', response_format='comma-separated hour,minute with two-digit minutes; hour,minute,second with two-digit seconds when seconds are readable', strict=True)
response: 1,56
